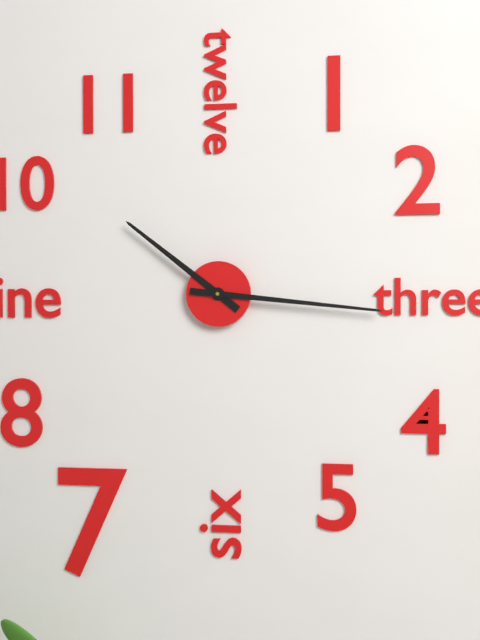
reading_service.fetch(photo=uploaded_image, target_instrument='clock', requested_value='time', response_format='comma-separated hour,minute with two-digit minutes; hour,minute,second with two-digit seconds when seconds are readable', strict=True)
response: 10,16
